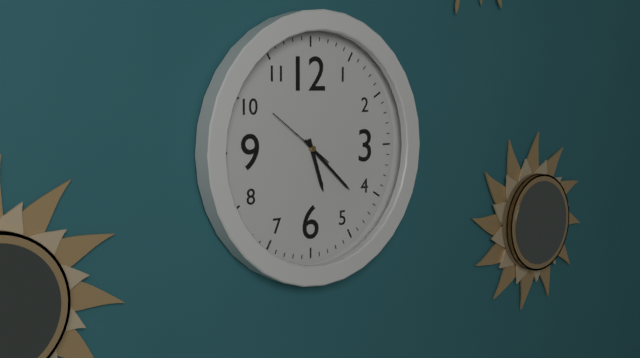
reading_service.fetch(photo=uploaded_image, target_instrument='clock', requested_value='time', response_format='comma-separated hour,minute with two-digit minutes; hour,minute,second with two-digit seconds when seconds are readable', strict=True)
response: 5,22,51
